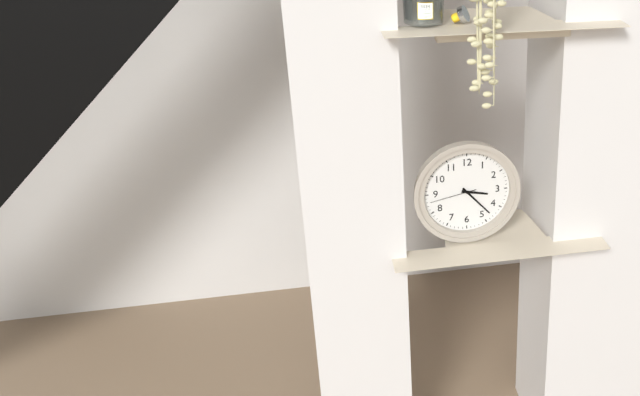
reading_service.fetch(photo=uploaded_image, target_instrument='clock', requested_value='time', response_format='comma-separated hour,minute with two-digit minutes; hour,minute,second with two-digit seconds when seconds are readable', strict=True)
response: 3,23
